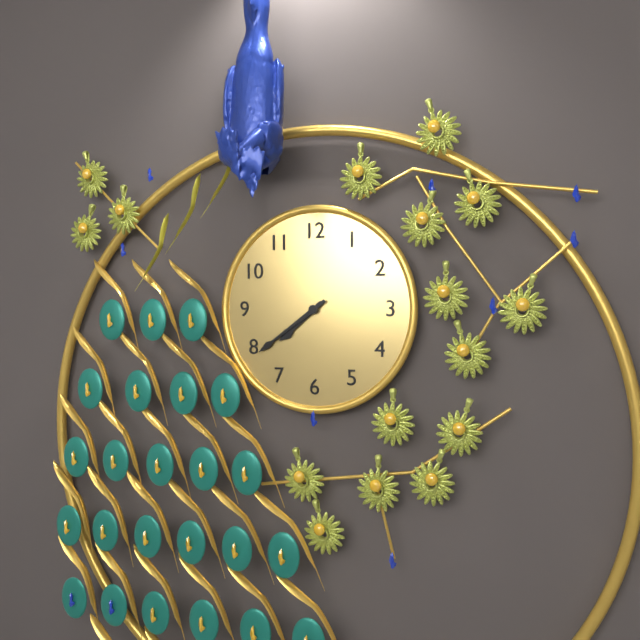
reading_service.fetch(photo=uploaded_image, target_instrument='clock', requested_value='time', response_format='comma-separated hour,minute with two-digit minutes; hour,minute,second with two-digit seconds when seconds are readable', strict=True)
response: 7,39
